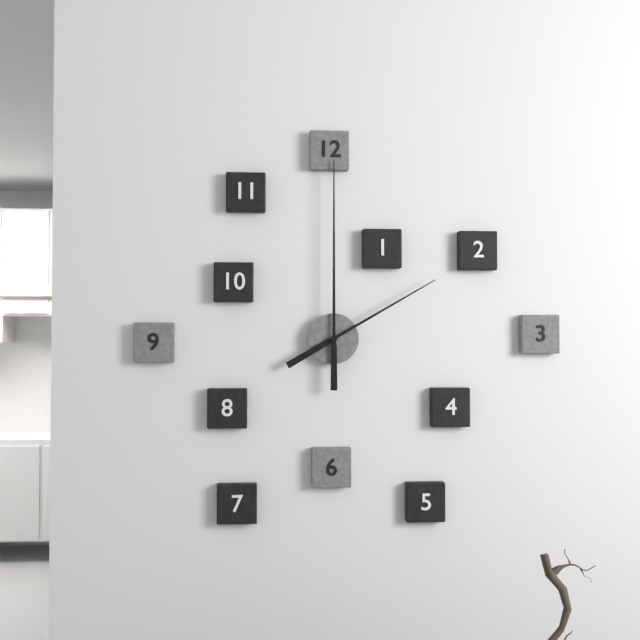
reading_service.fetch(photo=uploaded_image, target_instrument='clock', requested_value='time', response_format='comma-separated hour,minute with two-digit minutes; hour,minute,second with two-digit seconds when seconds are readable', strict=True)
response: 2,00
